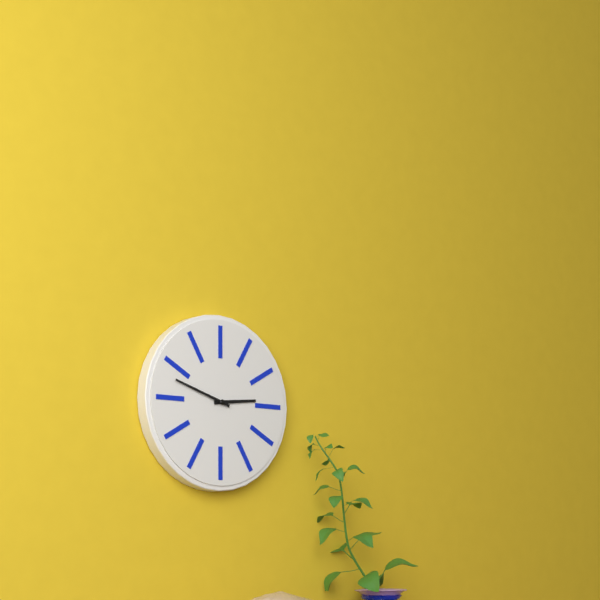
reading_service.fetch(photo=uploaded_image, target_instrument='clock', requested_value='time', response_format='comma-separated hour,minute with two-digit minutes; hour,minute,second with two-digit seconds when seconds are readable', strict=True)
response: 2,48
